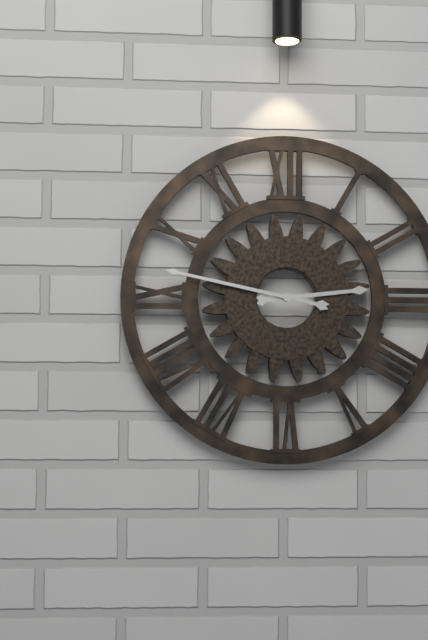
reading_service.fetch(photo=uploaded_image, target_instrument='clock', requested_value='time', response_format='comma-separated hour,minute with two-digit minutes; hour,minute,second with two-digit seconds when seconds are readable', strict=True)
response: 2,47
